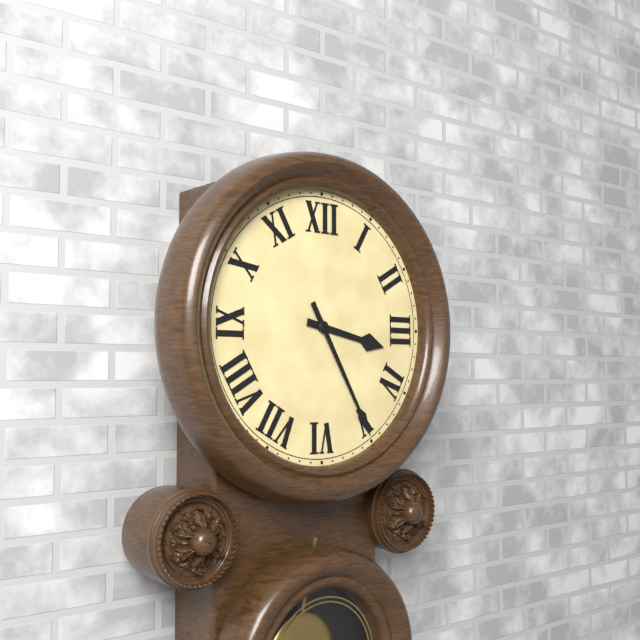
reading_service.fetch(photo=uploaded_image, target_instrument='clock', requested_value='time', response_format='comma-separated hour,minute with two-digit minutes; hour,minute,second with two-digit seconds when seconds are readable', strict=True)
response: 3,25
